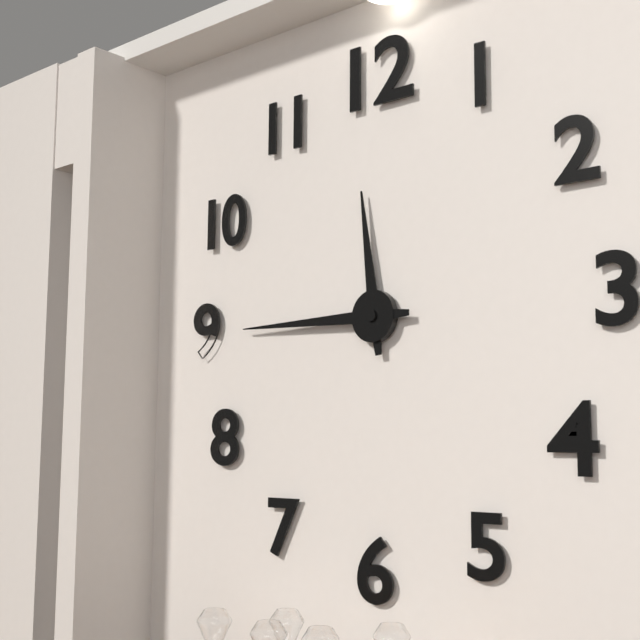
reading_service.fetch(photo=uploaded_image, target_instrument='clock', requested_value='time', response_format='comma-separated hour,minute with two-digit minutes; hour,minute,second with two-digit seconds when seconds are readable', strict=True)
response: 11,45
